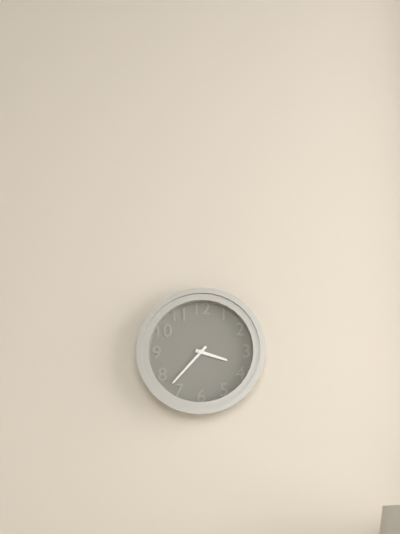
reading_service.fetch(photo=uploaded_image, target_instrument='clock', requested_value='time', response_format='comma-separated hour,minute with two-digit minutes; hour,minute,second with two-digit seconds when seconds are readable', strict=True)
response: 3,37
